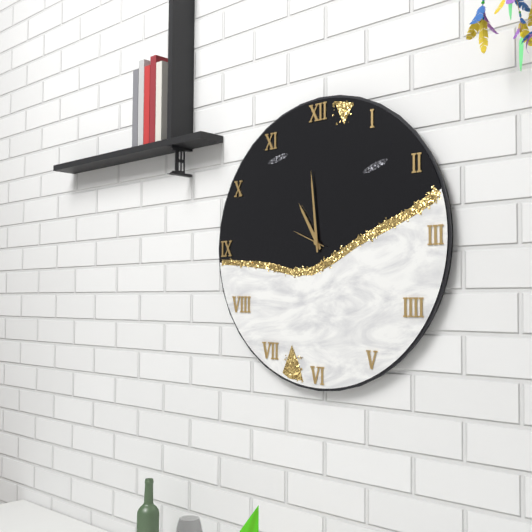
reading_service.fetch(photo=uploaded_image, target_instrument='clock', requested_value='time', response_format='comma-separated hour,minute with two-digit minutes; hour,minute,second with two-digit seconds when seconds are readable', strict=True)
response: 10,59
